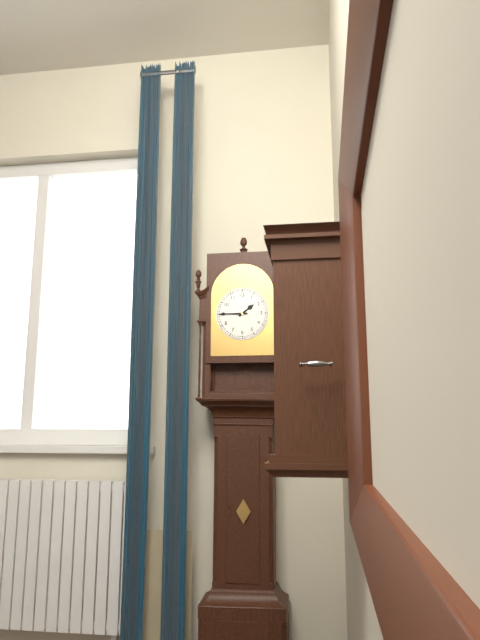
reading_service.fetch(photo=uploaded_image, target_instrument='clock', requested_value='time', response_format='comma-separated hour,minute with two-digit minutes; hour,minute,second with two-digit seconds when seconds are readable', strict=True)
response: 1,45
